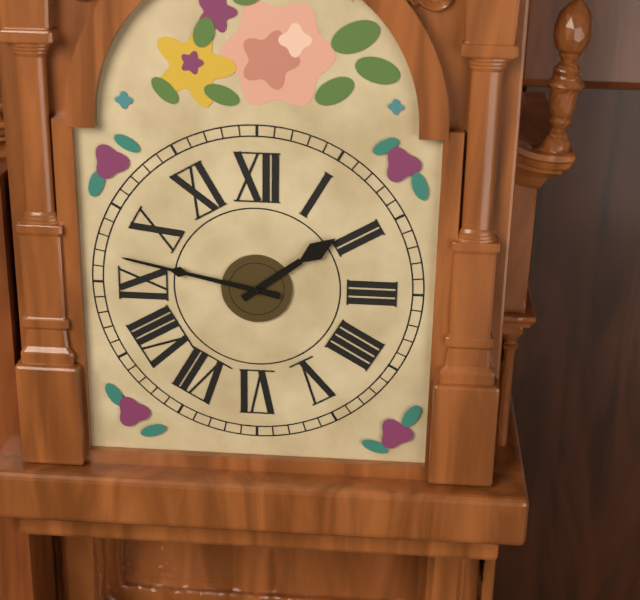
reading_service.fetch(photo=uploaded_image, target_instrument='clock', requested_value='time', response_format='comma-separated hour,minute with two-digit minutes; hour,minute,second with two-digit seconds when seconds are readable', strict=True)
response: 1,47
